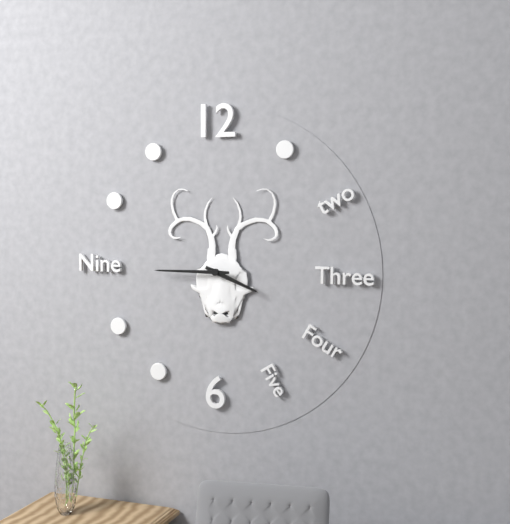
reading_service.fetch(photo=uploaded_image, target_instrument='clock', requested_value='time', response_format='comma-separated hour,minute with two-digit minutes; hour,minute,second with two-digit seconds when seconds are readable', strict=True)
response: 3,45
